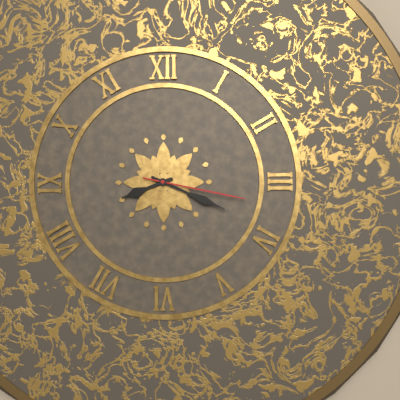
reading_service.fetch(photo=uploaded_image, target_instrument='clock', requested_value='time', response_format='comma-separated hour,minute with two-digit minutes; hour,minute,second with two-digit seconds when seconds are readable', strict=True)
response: 8,19,17
